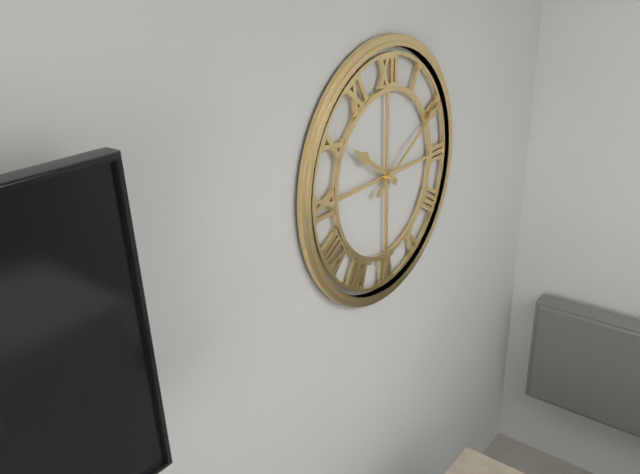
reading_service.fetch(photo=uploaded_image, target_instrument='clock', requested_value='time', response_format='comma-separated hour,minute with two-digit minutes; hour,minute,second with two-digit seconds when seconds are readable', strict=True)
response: 10,10
